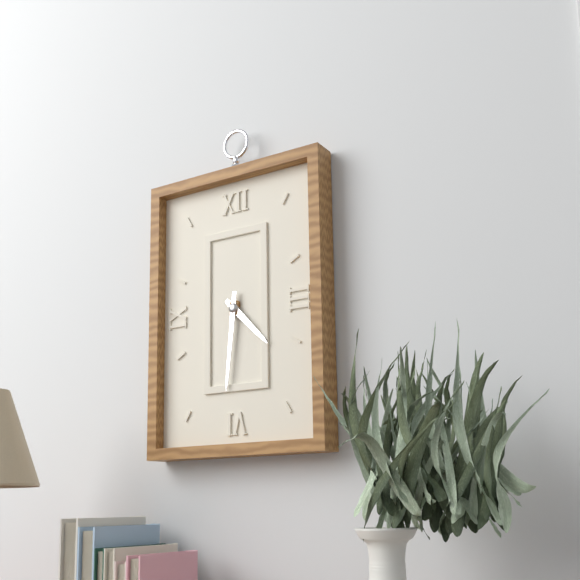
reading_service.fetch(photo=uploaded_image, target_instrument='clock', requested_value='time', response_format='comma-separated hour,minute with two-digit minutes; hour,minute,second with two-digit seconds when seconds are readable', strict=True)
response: 4,31
